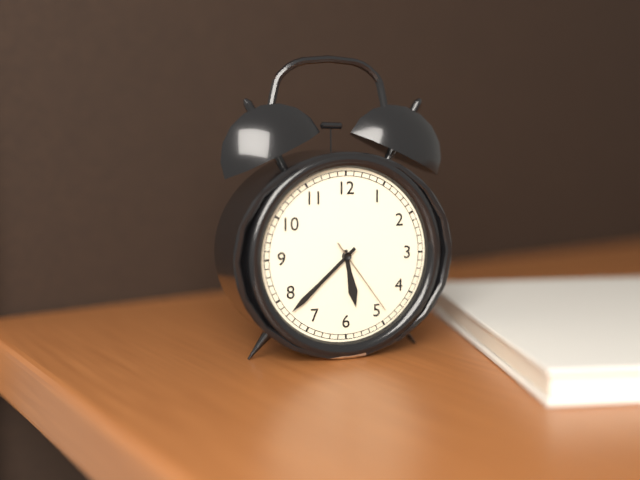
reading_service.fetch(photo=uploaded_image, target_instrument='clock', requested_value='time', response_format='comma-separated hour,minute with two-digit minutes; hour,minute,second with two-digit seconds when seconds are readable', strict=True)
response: 5,38,24
